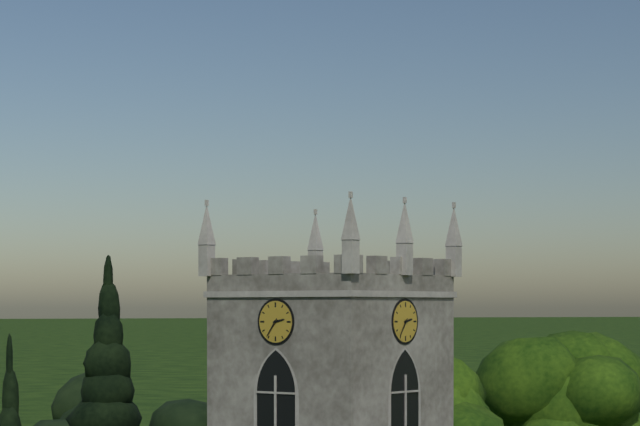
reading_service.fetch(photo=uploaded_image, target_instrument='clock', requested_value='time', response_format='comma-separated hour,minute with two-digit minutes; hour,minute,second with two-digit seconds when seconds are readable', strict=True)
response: 2,36
